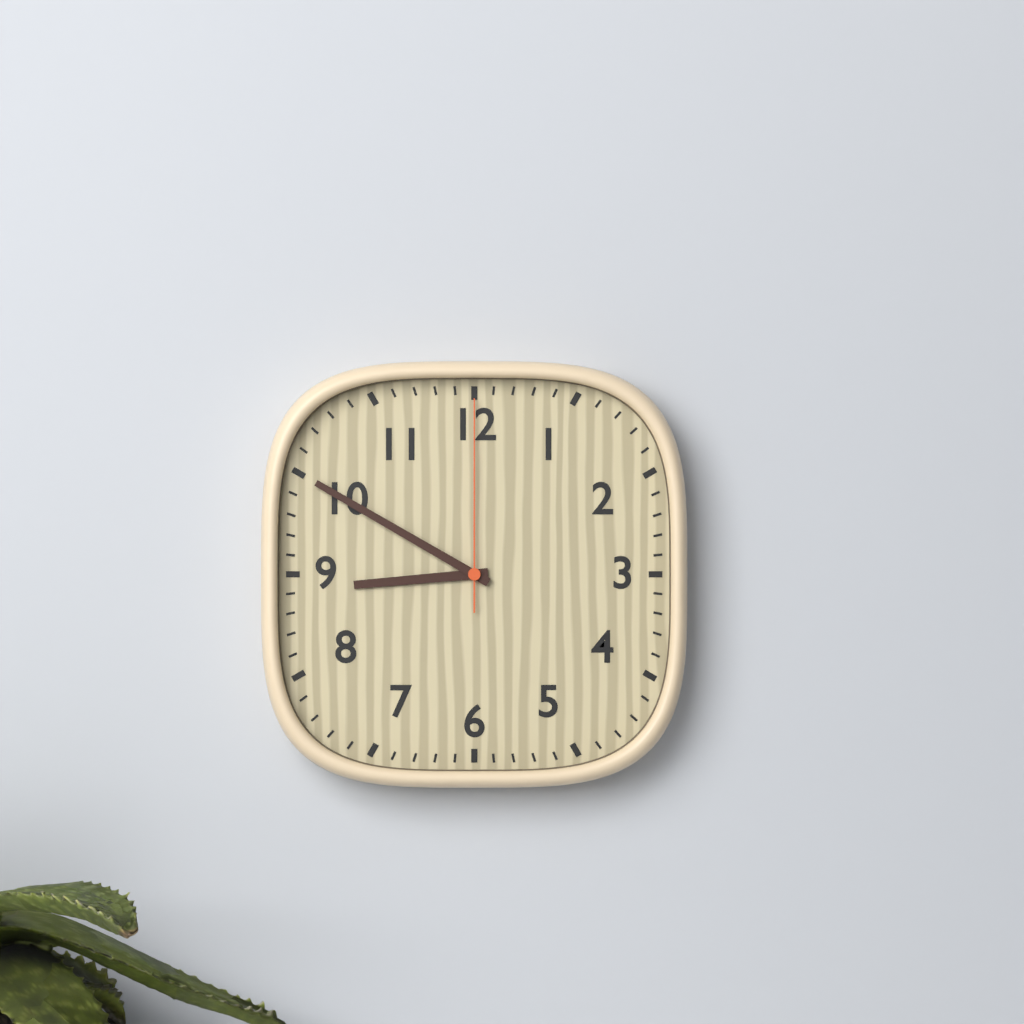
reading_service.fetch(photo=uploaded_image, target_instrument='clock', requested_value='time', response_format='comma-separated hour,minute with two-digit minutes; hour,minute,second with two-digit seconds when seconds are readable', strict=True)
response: 8,50,00
